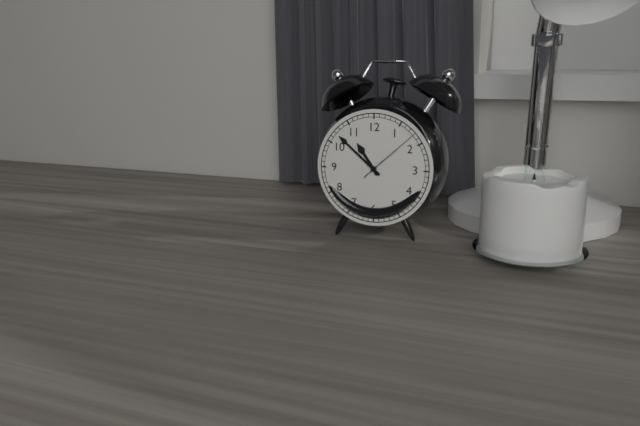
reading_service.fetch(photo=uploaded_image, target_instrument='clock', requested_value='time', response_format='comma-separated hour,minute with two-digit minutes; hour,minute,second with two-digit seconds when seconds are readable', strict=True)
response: 10,52,08
